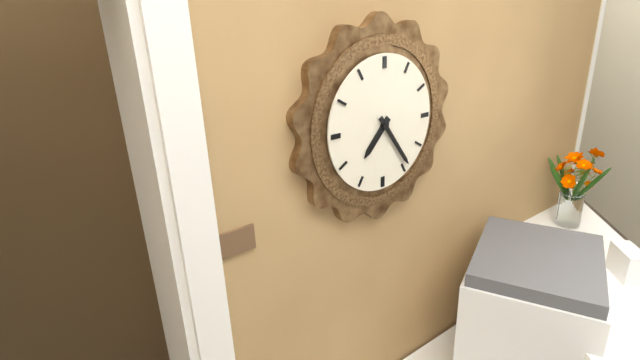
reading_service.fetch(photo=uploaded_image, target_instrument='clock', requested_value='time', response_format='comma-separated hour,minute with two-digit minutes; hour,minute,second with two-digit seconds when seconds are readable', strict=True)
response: 7,24
